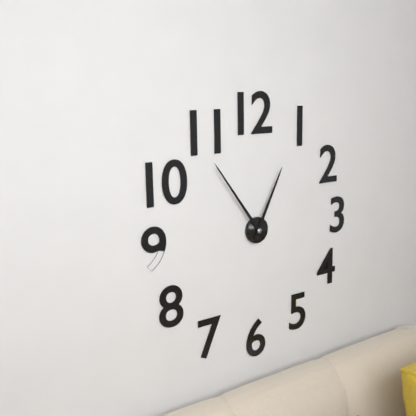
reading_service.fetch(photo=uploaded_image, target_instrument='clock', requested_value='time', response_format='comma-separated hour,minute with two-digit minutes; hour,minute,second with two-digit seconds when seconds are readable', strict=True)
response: 12,54
